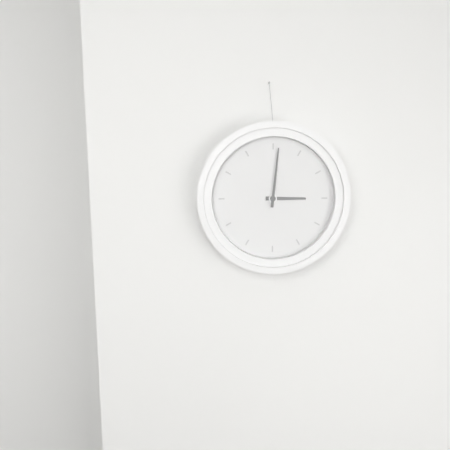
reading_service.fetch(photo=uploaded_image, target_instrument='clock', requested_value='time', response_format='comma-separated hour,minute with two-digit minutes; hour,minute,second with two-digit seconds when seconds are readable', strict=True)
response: 3,01
